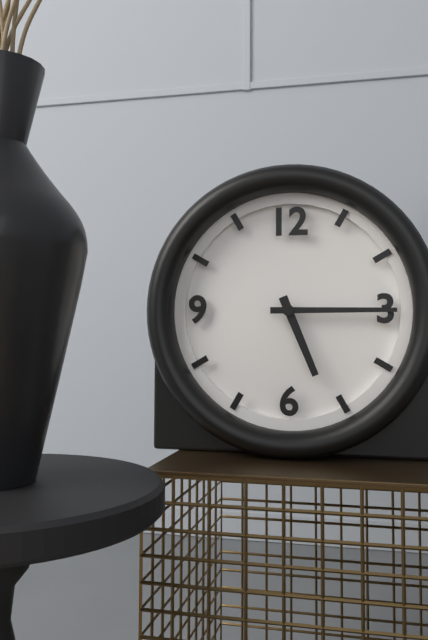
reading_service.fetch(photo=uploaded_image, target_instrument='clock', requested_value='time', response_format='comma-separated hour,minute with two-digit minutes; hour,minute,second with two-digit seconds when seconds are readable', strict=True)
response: 5,15
